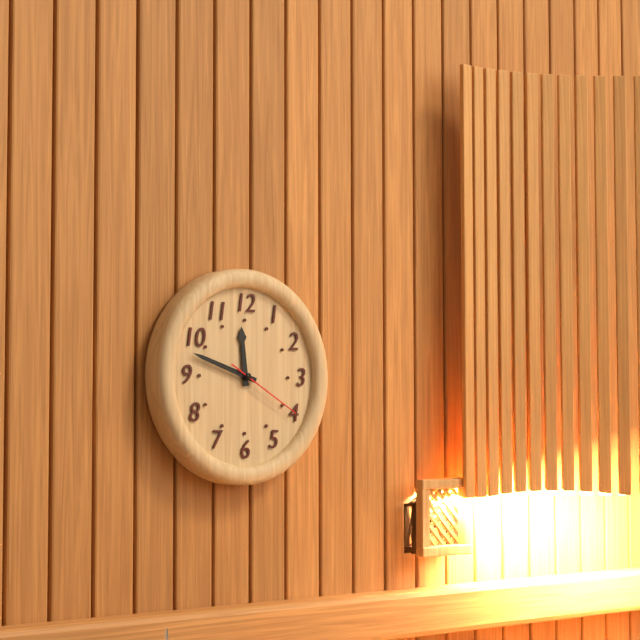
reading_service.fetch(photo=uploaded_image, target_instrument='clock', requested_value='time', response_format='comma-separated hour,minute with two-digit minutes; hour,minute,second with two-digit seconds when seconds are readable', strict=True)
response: 11,48,20
